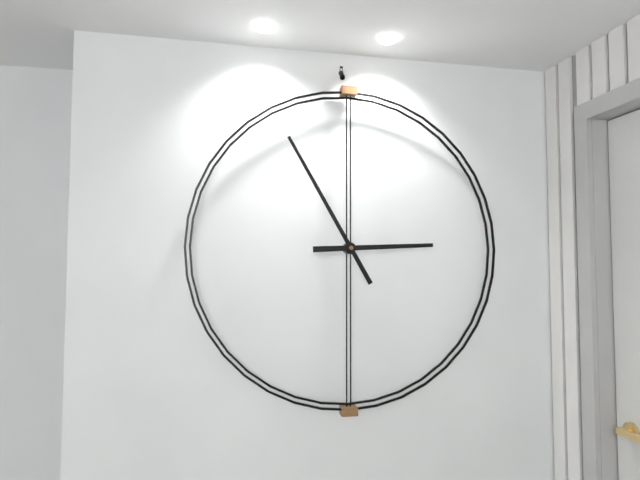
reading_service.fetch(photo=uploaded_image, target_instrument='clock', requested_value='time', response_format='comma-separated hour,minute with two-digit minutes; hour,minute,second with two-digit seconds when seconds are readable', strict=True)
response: 2,55
